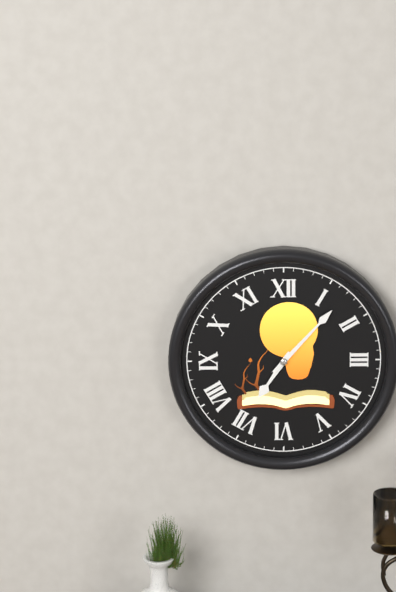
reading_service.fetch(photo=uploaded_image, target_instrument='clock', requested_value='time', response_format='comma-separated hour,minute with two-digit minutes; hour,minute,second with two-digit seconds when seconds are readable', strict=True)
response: 7,07
